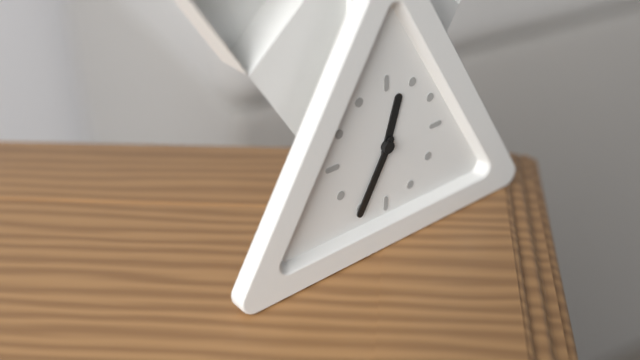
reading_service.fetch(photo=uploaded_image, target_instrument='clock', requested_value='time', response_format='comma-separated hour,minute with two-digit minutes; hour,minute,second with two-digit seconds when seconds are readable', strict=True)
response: 12,35
